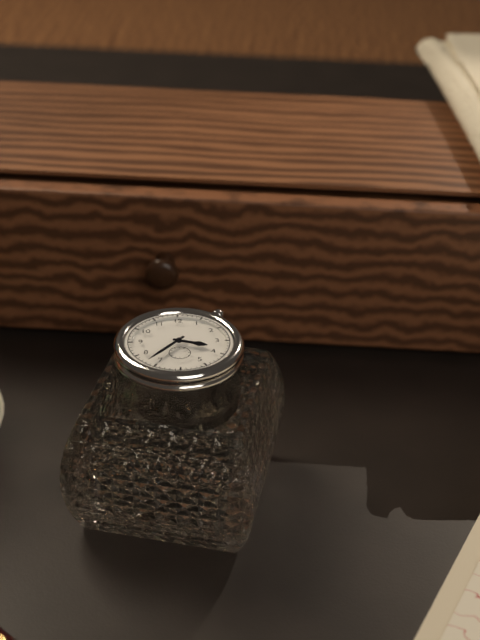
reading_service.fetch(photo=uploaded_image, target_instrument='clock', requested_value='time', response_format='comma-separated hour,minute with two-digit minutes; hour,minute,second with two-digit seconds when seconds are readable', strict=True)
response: 3,37
